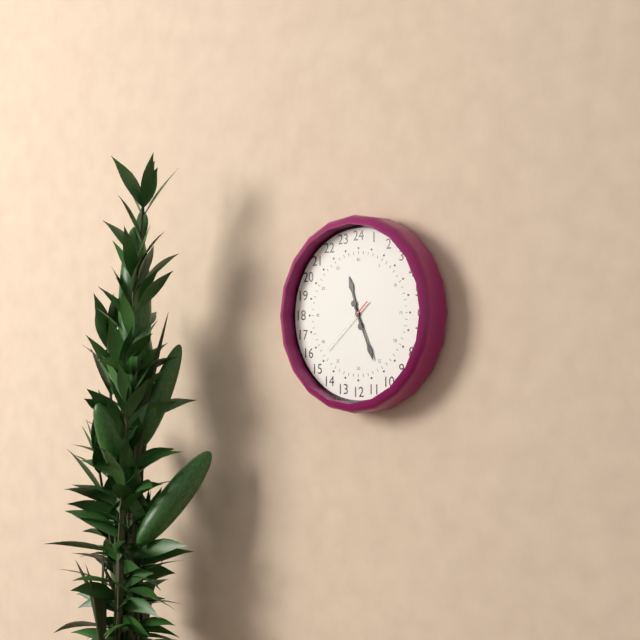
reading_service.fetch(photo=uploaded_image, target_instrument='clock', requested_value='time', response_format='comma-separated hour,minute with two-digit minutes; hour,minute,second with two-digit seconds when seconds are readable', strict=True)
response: 11,26,38
